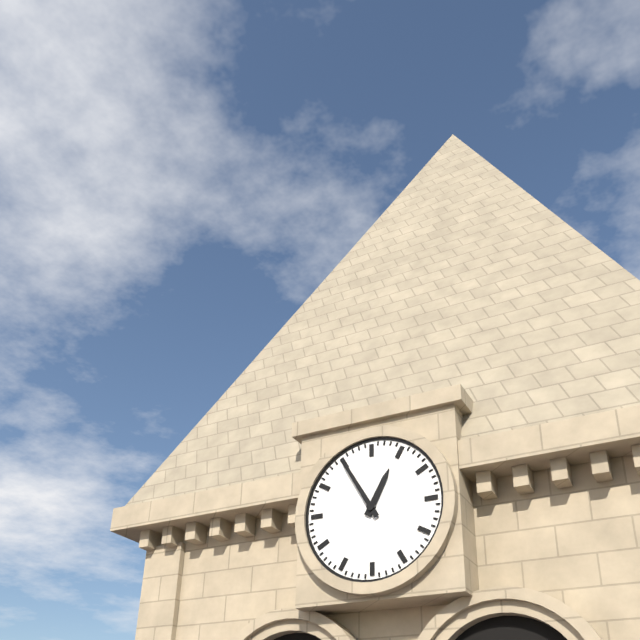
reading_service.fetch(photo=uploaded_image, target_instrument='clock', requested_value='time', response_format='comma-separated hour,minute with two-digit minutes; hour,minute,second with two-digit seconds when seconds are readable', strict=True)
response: 12,55
